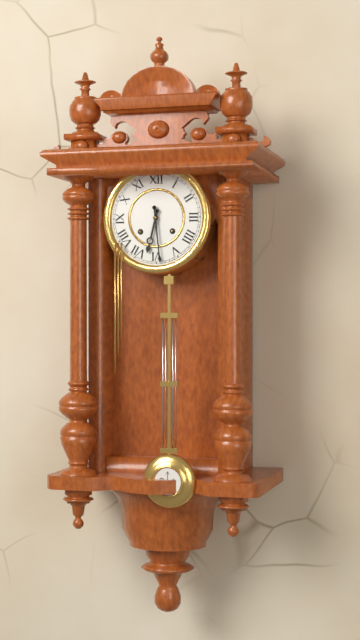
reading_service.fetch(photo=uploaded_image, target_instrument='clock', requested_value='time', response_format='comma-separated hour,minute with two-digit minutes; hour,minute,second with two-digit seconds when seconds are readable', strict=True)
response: 6,29
